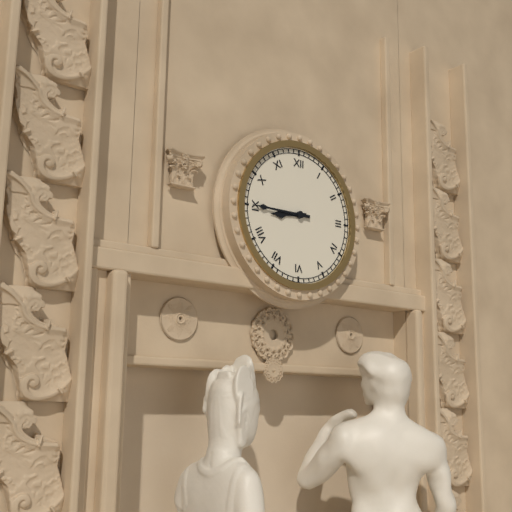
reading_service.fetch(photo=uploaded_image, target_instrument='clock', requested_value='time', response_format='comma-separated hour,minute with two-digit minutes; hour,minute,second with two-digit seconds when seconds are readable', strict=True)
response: 8,45
